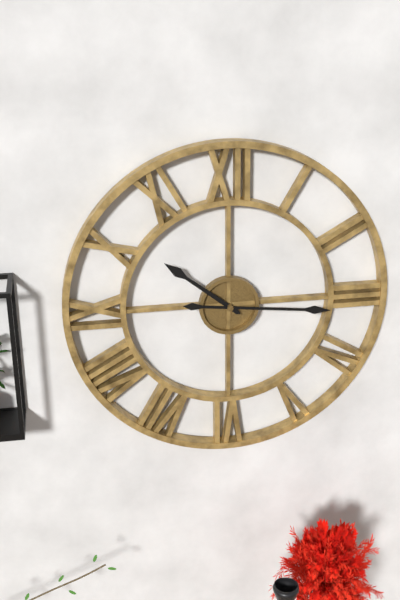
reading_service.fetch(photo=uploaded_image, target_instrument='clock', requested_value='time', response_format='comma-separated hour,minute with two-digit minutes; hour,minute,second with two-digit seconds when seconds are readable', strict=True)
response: 10,16
